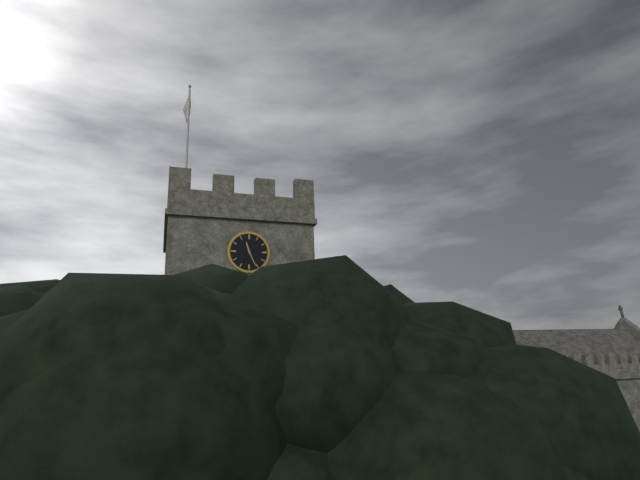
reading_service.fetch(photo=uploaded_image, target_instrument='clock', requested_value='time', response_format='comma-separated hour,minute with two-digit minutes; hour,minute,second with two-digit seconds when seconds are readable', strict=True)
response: 11,26
